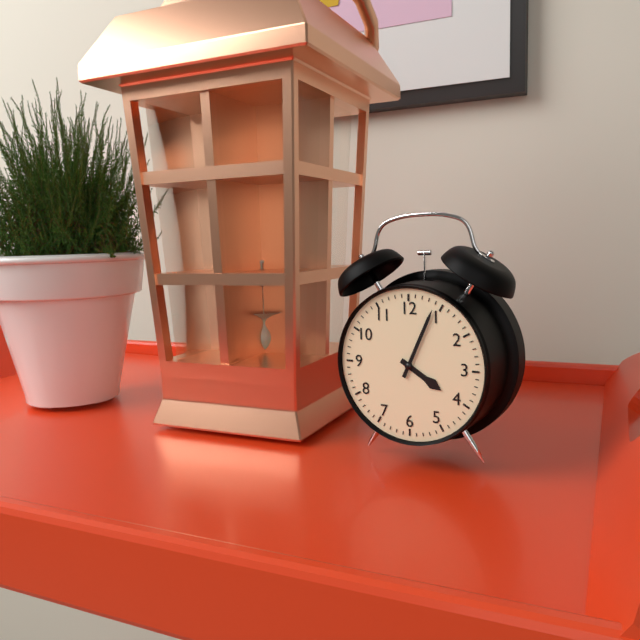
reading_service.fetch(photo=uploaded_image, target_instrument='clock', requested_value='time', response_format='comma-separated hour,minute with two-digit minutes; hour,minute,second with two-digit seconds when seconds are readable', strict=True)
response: 4,04
